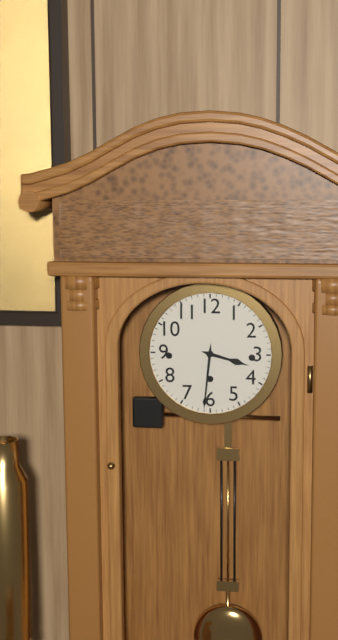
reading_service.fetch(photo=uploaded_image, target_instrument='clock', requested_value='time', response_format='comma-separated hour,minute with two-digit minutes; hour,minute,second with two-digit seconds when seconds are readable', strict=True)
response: 3,31
